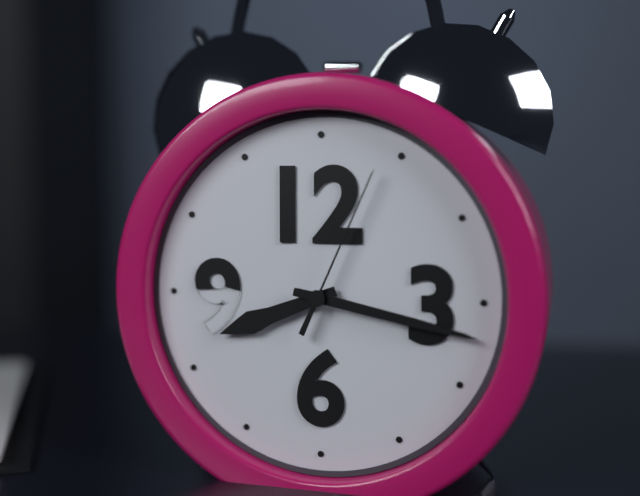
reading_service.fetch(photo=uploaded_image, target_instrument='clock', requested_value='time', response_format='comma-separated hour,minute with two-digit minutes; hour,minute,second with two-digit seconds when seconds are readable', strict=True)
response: 8,17,04
